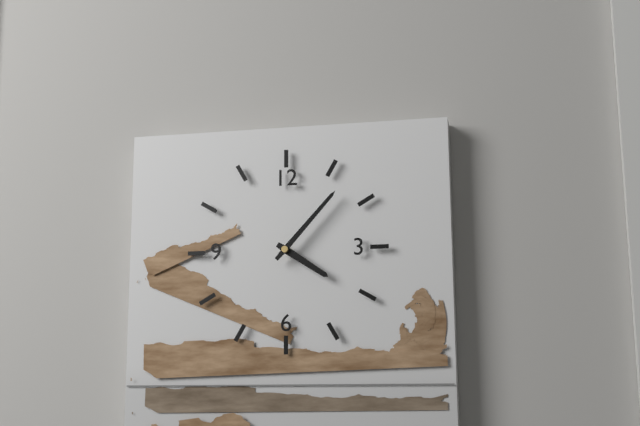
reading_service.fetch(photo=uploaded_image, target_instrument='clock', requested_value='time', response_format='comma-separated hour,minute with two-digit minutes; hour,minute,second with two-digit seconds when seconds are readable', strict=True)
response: 4,07
